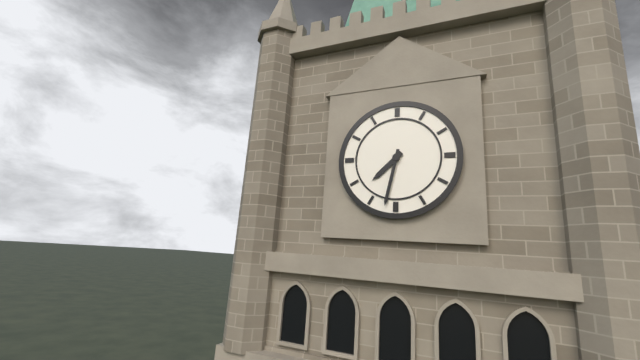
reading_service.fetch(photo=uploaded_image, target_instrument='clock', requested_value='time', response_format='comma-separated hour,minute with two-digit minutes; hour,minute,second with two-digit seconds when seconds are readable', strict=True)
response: 7,32
